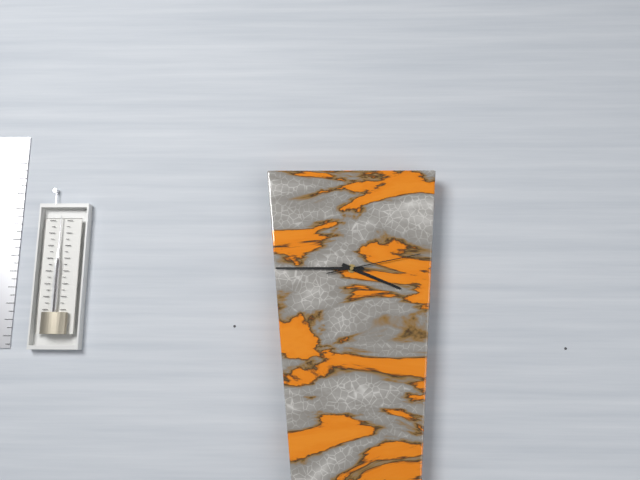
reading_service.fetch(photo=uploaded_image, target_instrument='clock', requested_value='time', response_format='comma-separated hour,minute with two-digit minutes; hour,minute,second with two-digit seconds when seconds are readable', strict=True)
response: 3,45,13
